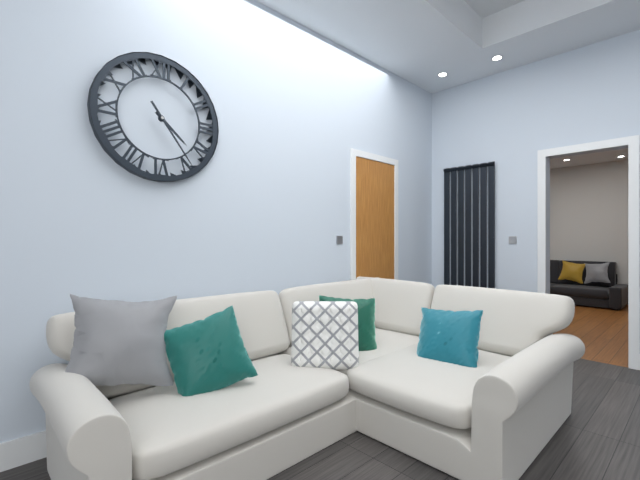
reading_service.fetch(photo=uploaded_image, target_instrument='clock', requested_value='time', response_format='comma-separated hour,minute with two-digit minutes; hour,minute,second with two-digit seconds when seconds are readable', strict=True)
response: 4,24
